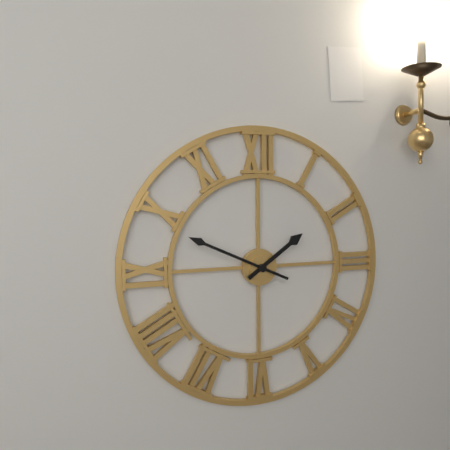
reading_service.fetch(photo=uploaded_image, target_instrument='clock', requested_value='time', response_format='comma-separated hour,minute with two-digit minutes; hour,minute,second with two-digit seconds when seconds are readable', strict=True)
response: 1,49
